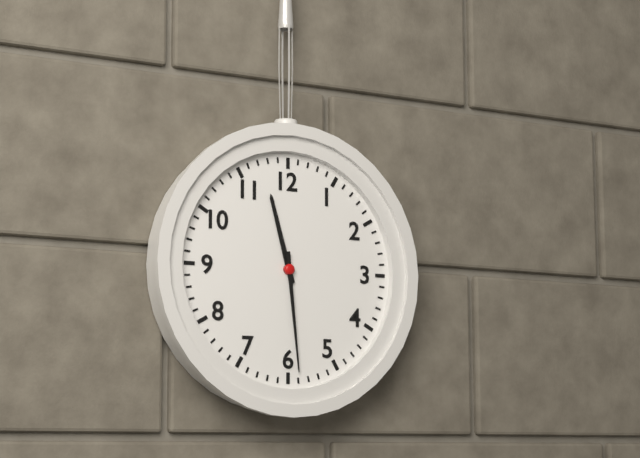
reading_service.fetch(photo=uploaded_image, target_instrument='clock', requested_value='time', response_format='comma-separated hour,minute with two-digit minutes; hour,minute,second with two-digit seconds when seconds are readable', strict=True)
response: 11,29
